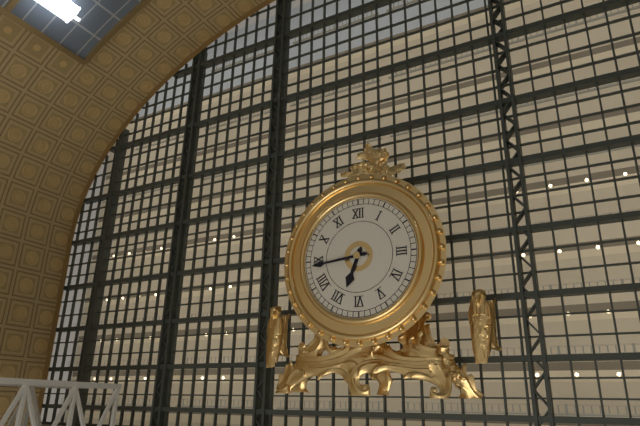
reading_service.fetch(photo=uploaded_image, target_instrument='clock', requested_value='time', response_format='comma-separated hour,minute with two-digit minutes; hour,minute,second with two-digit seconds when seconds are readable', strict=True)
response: 6,44
